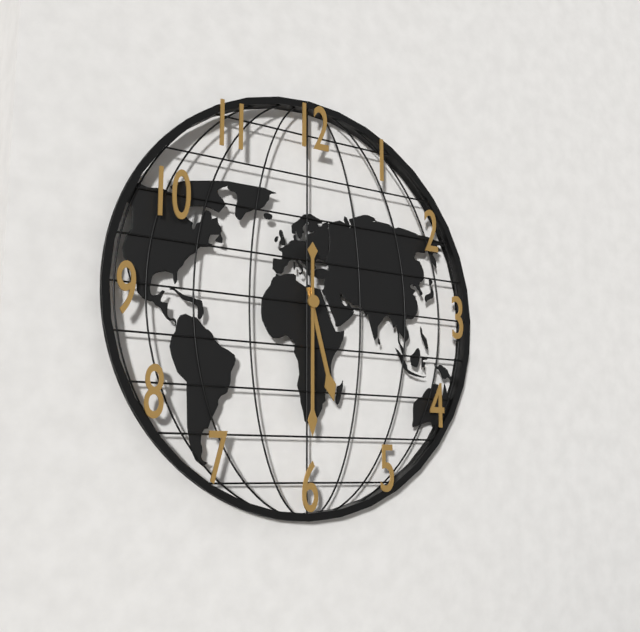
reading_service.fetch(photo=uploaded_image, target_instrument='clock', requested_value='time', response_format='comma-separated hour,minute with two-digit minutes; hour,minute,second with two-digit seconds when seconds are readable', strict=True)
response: 5,30
